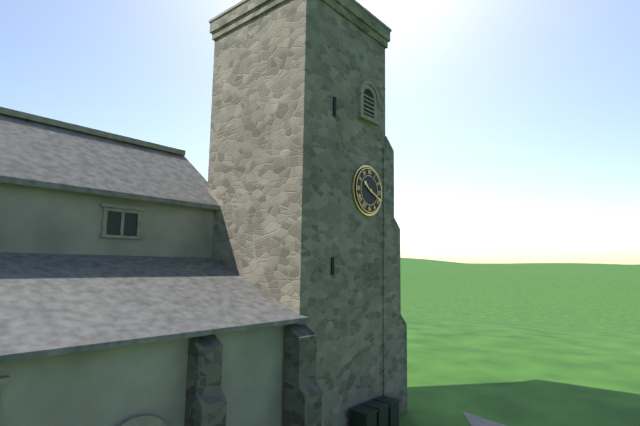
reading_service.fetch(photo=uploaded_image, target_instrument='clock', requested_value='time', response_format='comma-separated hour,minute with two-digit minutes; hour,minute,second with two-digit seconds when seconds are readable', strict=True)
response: 10,19
